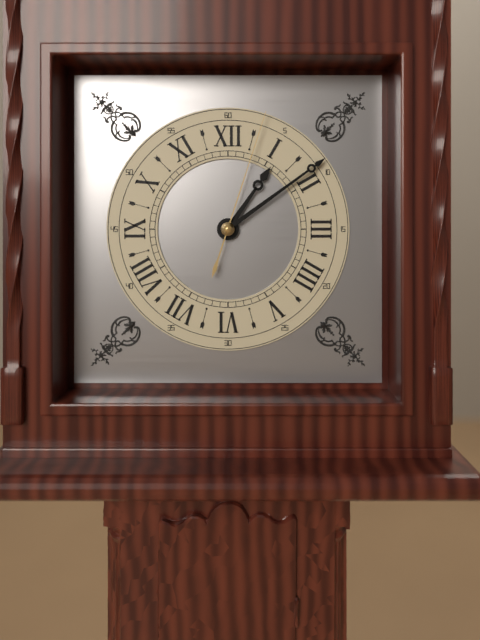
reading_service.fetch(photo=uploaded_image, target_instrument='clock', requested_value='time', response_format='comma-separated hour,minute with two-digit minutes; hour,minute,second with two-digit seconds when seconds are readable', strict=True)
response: 1,09,03
